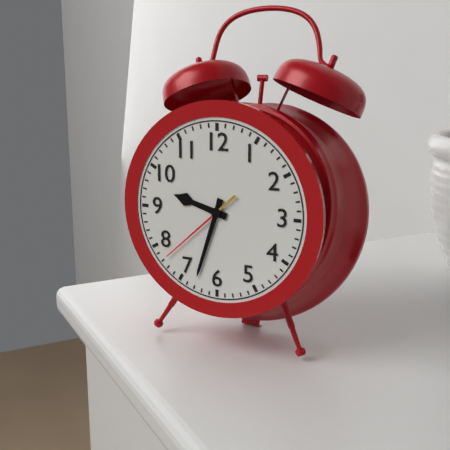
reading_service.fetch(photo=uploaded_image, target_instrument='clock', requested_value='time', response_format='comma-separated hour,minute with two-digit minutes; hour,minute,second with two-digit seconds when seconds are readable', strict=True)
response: 9,33,38
